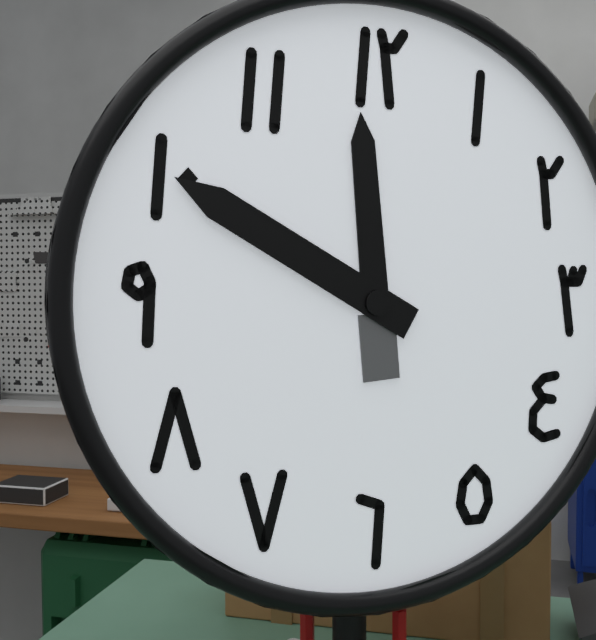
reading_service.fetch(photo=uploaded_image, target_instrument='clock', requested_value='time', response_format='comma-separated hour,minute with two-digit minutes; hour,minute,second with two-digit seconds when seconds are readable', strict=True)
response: 11,50
